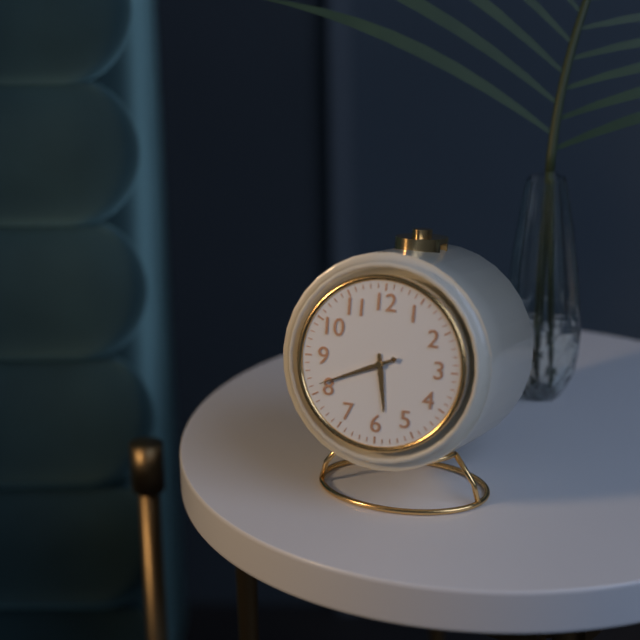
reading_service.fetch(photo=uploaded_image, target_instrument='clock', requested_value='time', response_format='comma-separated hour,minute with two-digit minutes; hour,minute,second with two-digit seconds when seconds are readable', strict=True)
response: 5,41,41
